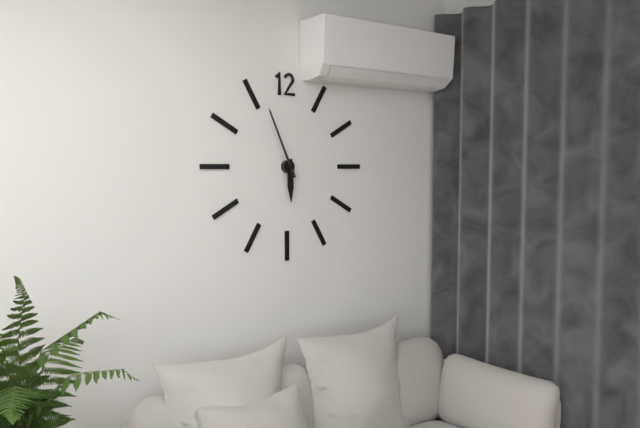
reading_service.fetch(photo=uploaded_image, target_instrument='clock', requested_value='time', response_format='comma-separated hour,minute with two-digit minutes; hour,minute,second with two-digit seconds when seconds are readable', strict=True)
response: 5,56
